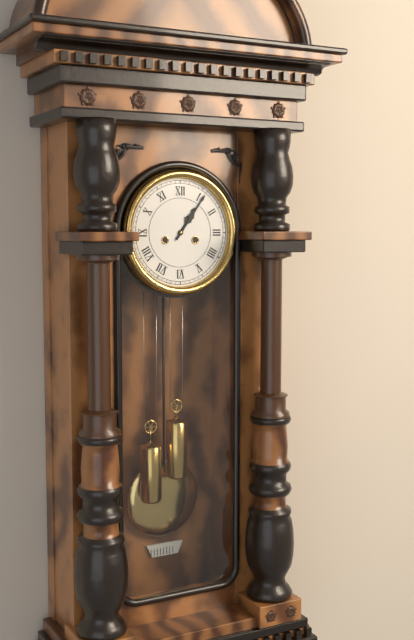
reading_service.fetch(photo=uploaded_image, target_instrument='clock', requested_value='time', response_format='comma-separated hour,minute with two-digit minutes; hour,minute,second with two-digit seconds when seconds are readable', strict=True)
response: 1,06
